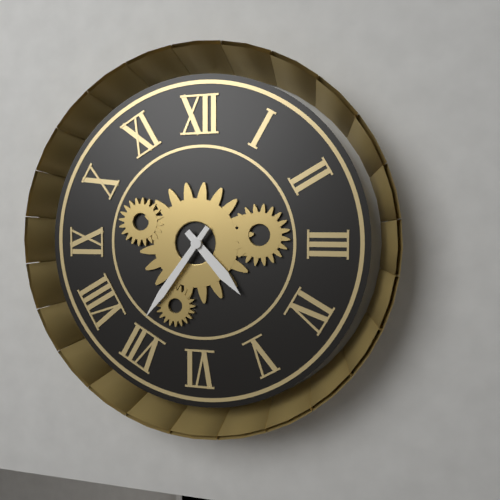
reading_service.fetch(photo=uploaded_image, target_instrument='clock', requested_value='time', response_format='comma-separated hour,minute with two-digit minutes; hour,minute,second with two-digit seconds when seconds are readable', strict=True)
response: 4,36
